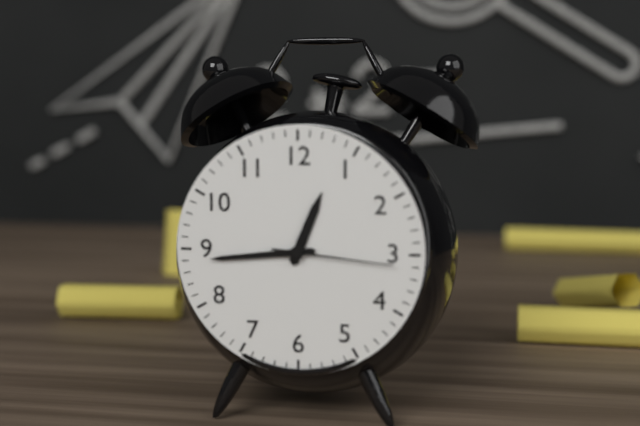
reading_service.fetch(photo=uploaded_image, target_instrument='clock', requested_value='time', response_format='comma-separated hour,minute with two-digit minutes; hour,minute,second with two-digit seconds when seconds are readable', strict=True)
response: 12,44,16
